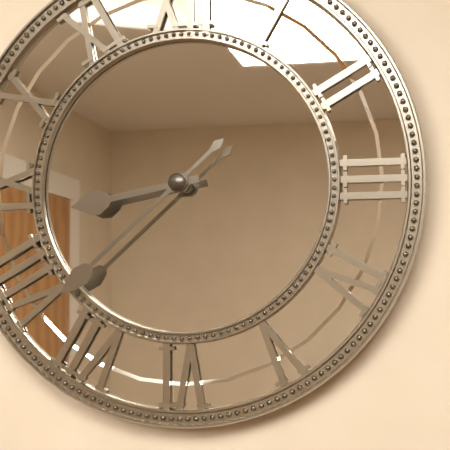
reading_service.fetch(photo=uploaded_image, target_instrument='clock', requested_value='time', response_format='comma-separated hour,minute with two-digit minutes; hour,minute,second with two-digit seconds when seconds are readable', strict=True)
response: 8,38
